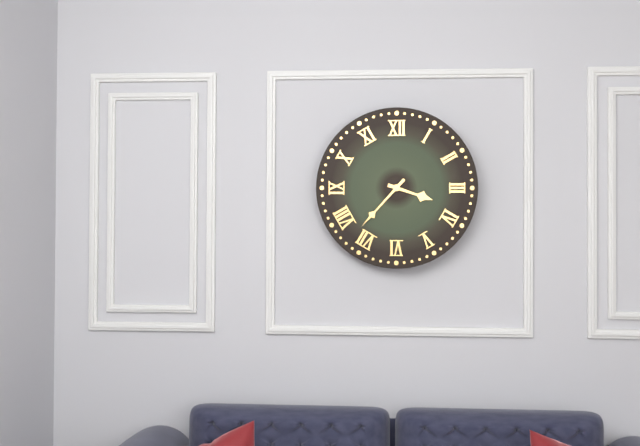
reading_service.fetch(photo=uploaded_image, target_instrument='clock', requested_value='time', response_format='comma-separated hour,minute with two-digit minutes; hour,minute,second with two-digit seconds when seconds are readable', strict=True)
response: 3,37
